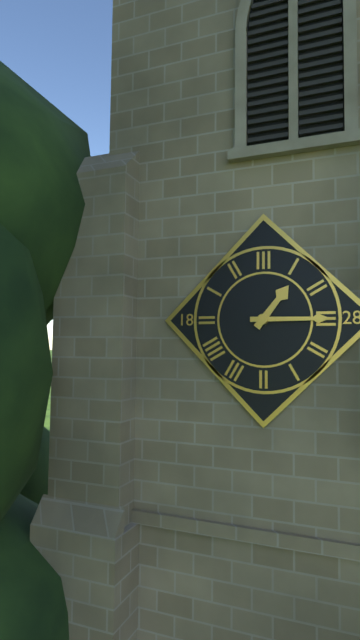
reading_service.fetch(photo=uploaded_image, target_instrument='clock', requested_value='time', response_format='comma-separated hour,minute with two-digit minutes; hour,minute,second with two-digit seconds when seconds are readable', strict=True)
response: 1,15
